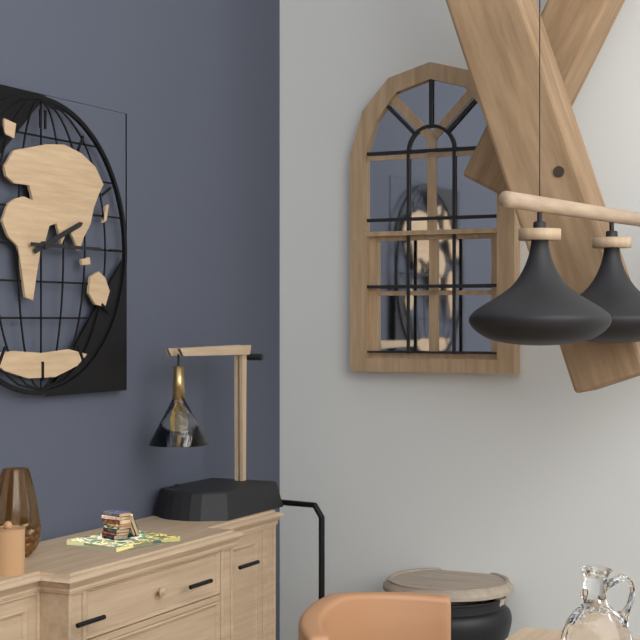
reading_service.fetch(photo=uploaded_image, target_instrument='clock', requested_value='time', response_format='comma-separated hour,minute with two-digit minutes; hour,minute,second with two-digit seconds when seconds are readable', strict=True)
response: 2,15
